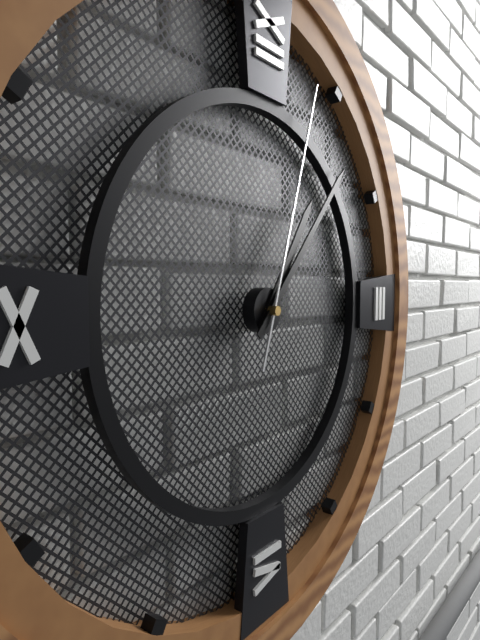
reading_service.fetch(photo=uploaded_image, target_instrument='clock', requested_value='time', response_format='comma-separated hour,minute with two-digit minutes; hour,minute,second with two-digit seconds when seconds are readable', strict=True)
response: 1,07,03
